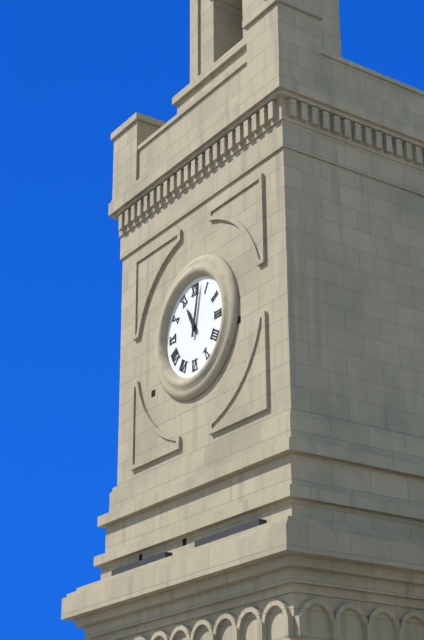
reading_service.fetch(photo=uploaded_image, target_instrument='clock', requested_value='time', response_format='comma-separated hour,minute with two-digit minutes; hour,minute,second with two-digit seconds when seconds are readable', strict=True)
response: 11,02
